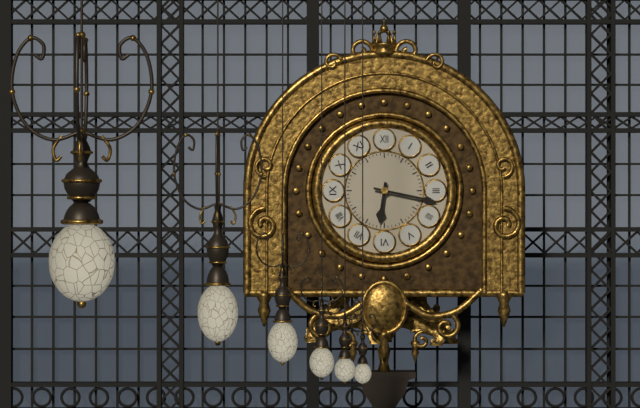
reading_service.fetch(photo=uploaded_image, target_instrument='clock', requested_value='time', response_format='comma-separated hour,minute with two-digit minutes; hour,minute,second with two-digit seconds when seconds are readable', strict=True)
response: 6,17
